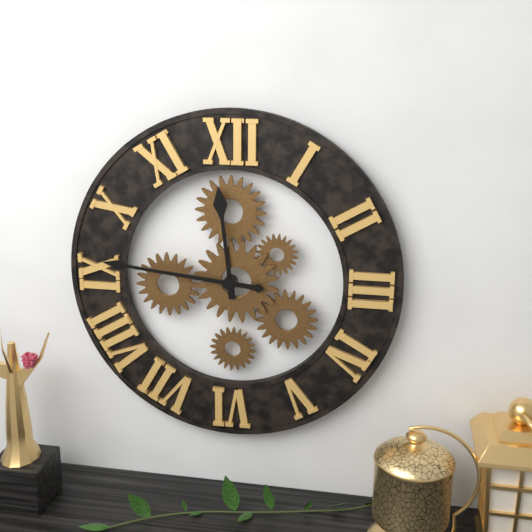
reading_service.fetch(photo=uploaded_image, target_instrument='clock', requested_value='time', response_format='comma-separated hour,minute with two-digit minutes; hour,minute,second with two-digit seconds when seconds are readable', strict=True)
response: 11,46
